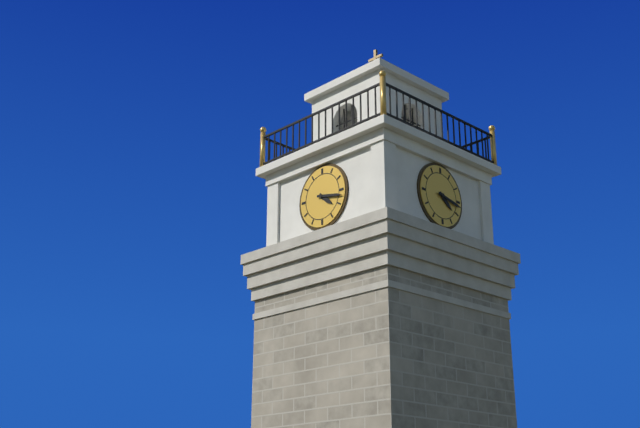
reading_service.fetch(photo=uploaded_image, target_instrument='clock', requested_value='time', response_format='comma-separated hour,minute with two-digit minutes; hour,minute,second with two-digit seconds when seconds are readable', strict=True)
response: 4,17
